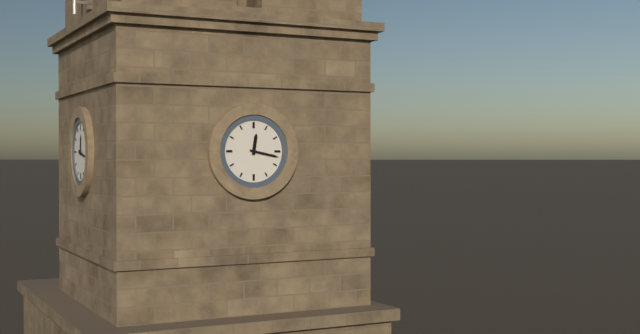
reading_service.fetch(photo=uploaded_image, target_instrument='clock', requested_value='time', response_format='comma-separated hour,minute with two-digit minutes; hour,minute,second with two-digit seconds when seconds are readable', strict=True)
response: 12,17
